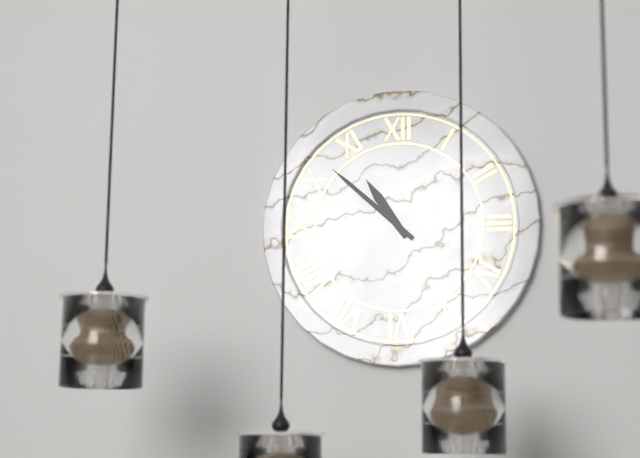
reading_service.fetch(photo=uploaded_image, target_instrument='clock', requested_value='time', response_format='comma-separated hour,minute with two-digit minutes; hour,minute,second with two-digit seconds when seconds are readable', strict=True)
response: 10,52
